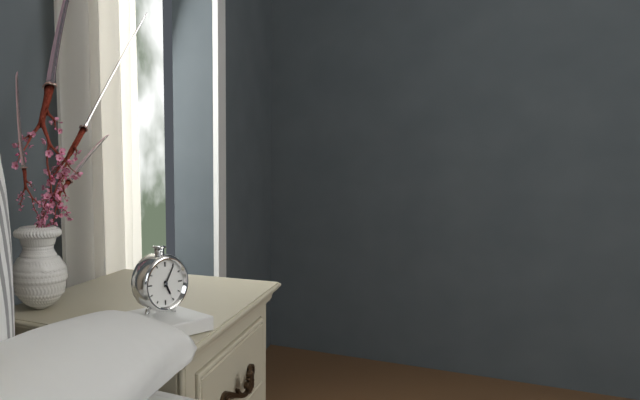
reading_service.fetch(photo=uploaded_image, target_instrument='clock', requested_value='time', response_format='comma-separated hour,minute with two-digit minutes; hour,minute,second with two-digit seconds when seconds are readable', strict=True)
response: 5,05
